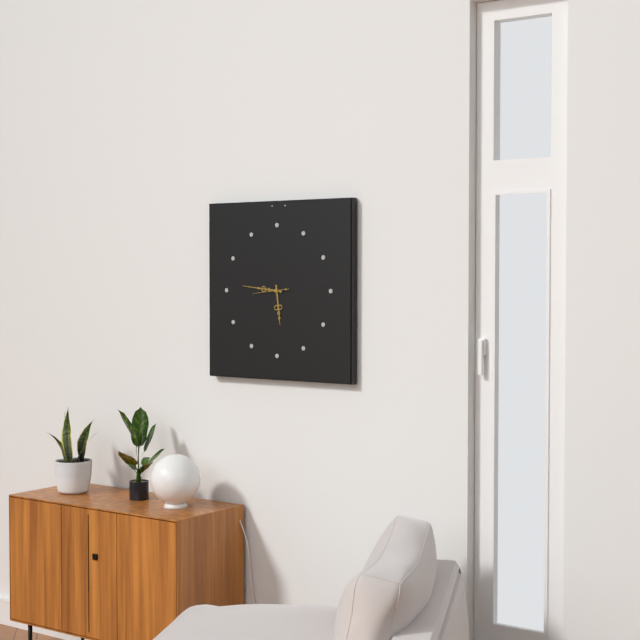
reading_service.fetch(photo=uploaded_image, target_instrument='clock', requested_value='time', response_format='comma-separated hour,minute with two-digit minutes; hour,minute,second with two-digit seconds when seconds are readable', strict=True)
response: 5,46
